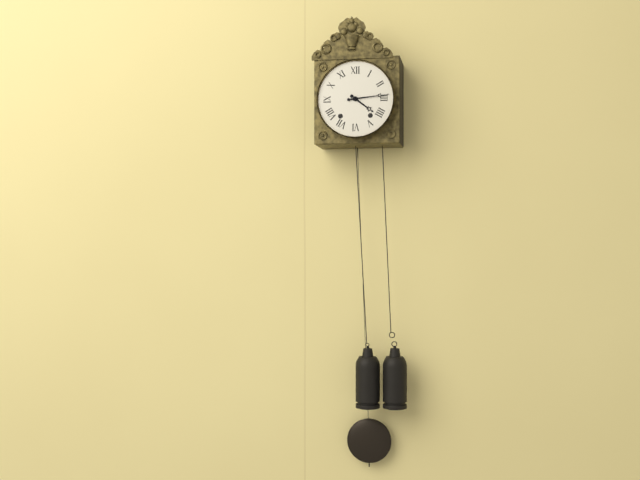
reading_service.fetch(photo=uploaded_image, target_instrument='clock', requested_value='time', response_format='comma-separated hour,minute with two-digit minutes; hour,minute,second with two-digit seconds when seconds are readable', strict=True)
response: 4,14
